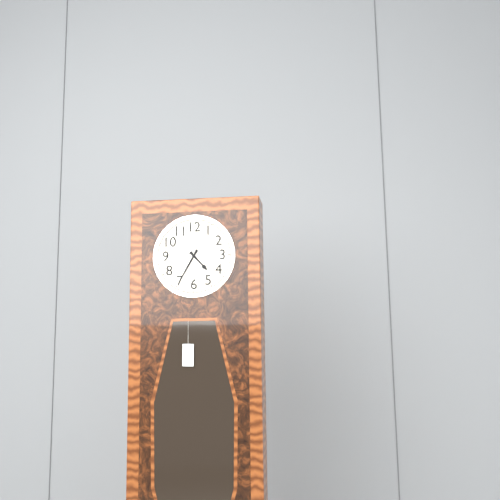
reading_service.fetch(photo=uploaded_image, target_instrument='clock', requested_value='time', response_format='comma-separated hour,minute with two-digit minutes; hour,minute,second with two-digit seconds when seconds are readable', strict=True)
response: 4,35
